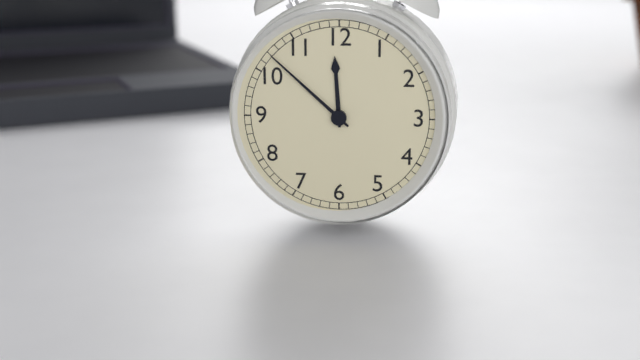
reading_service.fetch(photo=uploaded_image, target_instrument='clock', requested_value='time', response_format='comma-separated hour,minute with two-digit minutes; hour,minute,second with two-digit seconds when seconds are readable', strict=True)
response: 11,52
